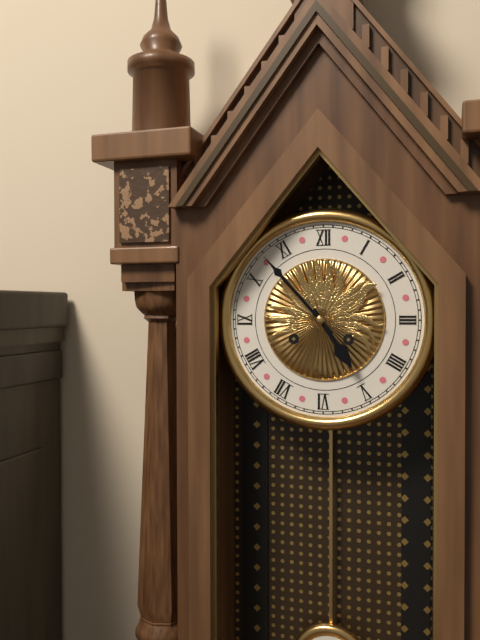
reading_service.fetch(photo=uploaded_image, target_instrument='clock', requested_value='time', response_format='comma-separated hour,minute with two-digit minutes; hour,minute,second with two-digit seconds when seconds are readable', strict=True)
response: 4,53
